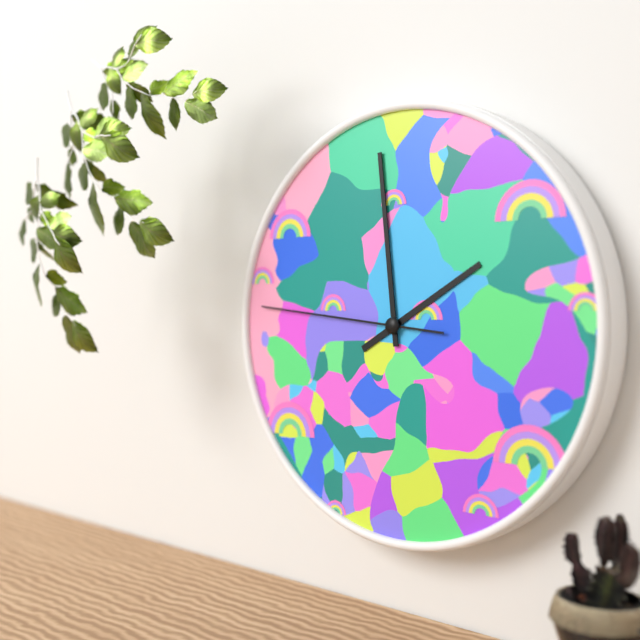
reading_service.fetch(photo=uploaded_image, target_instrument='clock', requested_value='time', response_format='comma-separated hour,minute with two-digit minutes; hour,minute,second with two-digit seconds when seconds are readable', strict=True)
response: 1,59,46
